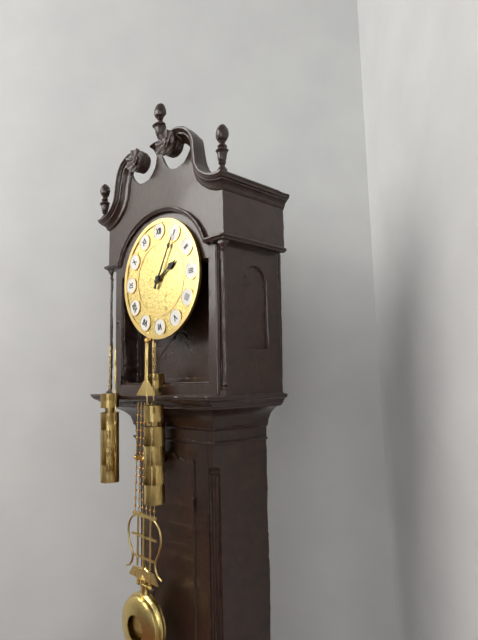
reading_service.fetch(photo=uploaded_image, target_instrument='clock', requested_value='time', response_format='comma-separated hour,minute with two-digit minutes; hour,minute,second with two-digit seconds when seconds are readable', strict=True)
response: 2,05
